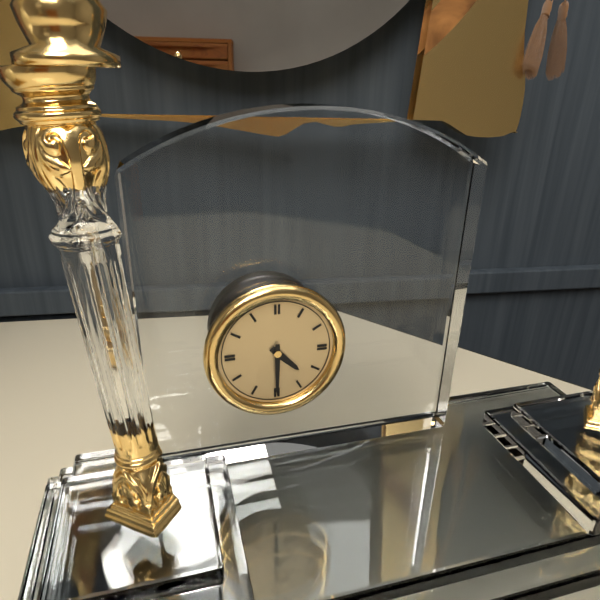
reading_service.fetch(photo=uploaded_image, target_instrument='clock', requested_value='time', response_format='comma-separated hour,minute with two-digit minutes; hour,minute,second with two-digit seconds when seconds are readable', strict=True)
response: 4,30
